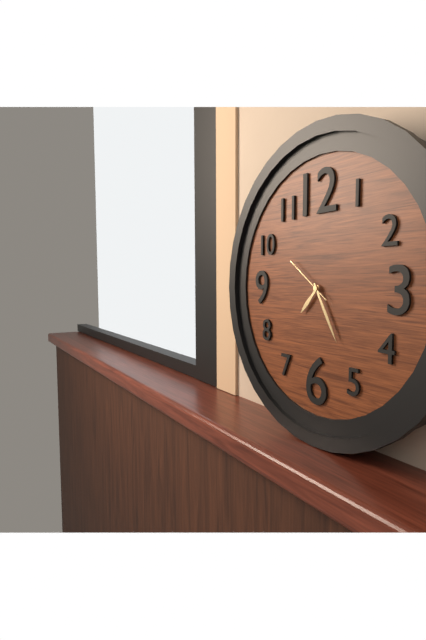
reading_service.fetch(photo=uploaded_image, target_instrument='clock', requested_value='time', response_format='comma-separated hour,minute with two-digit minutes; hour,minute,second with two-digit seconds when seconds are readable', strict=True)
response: 7,25
